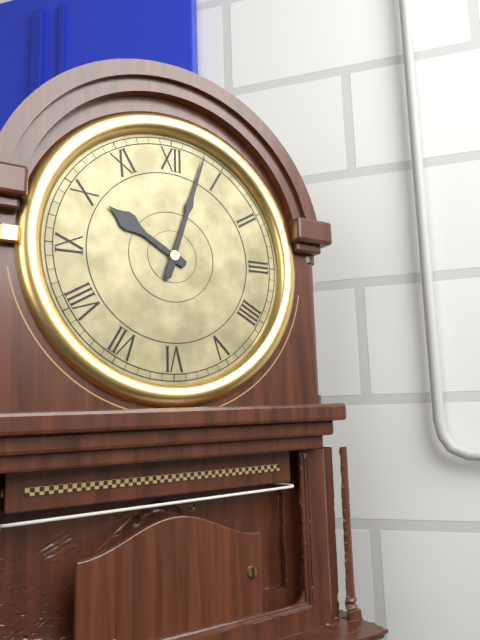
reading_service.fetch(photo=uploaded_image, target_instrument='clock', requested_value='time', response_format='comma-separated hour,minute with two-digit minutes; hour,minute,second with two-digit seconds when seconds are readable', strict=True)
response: 10,03
